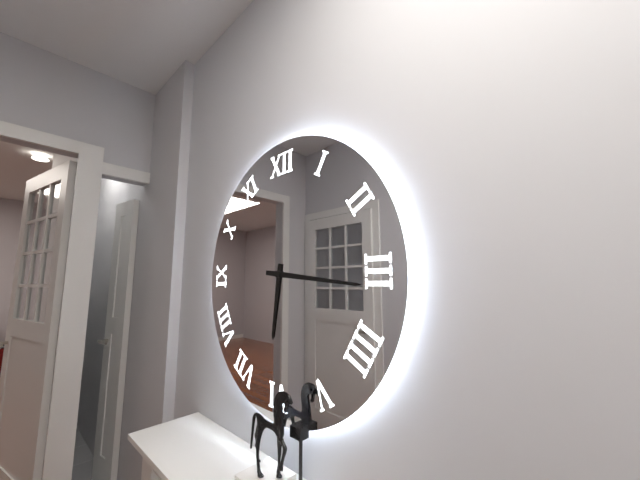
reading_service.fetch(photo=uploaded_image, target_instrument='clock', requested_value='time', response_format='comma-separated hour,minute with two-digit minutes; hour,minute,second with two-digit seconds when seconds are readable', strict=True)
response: 6,16
